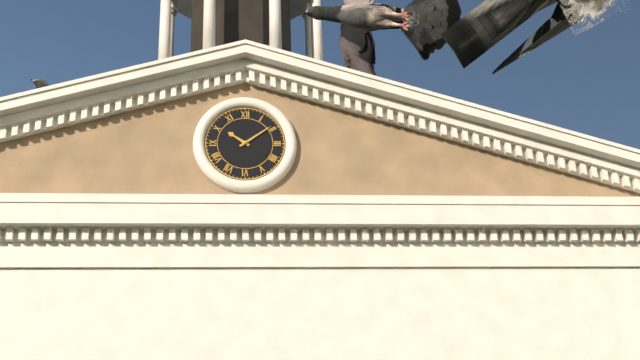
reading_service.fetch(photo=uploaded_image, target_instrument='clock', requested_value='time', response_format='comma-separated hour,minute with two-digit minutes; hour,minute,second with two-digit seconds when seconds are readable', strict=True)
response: 10,09
